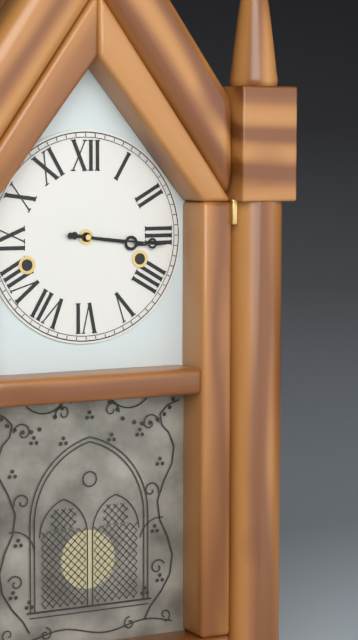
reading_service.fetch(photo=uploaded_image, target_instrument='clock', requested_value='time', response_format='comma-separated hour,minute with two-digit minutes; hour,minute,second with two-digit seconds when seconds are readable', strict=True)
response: 3,16
